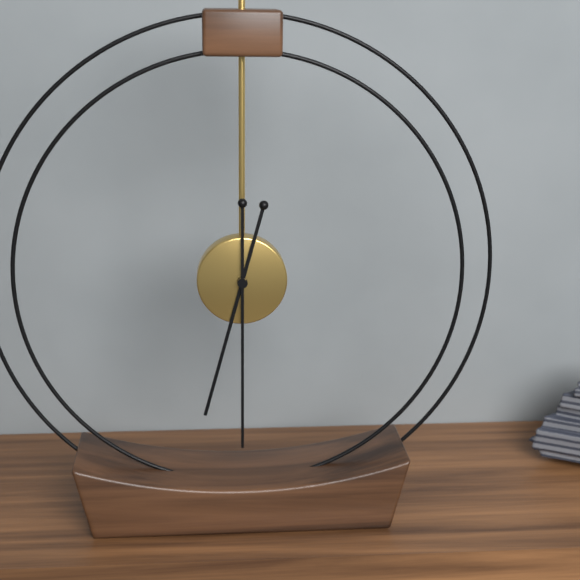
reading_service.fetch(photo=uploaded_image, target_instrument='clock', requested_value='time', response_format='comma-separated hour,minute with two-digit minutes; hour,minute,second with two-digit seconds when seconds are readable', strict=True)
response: 6,30
